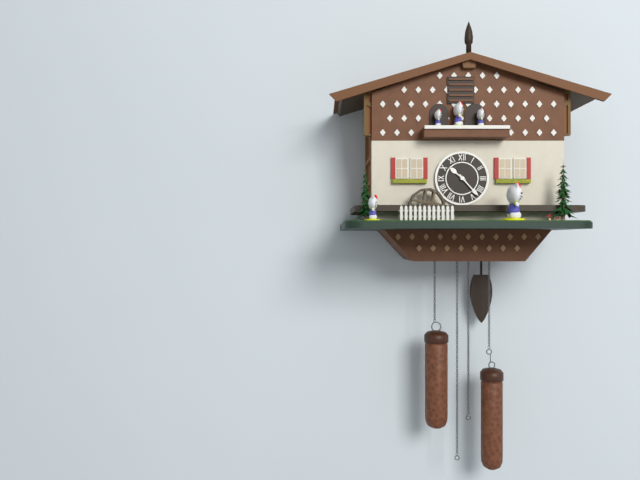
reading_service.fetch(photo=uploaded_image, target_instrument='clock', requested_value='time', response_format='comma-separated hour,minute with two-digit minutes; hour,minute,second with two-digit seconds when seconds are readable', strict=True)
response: 10,23
